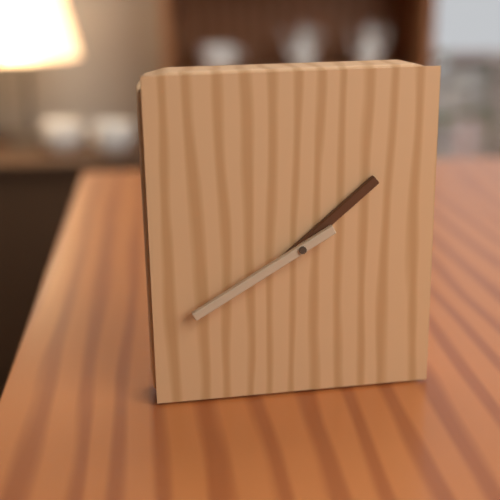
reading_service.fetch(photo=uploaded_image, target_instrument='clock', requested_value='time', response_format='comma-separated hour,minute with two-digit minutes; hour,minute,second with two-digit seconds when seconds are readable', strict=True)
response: 1,40
